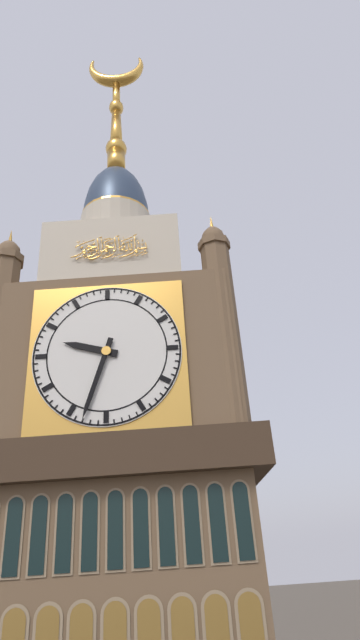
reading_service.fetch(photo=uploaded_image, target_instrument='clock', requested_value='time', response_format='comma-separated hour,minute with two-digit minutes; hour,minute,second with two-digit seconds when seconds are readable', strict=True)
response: 9,33
